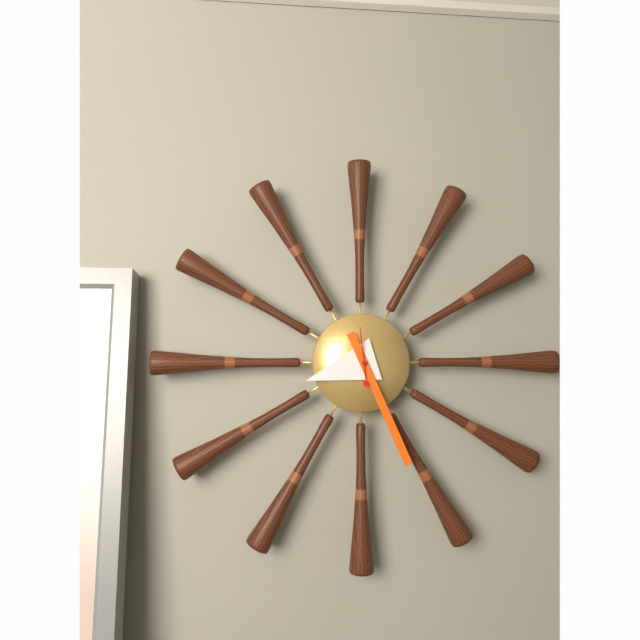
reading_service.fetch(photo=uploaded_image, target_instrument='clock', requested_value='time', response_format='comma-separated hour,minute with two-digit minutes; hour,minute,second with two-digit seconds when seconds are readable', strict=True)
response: 8,26
